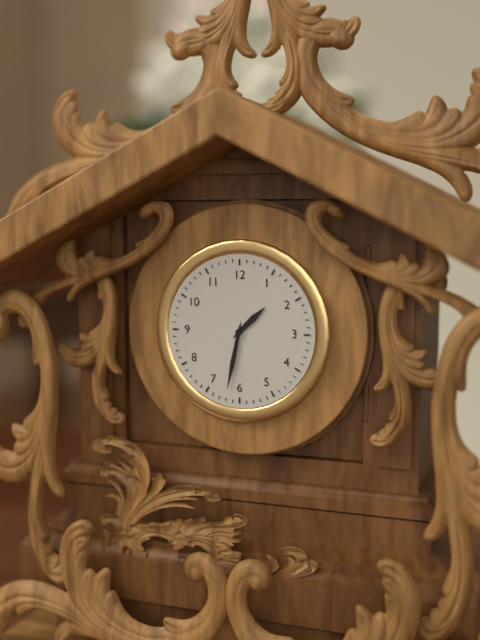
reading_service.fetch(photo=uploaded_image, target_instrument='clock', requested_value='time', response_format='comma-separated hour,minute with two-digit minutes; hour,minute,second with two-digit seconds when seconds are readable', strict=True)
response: 1,32
